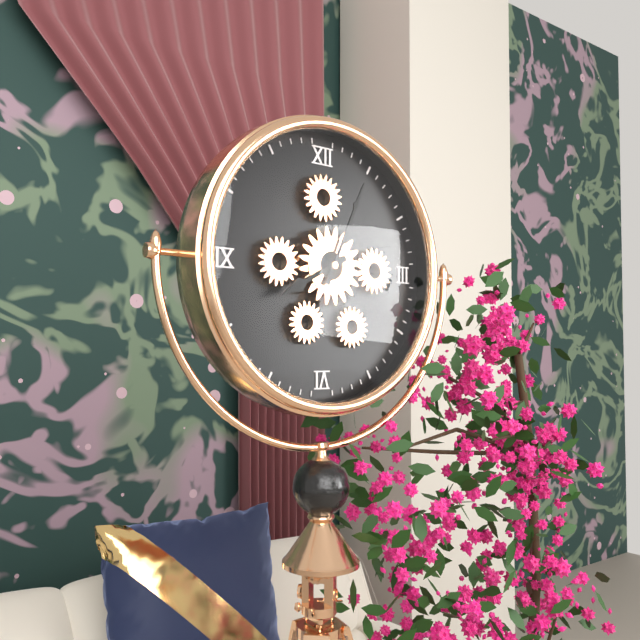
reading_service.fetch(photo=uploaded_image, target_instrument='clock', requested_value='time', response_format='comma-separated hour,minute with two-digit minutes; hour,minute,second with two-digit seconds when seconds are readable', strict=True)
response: 8,04
